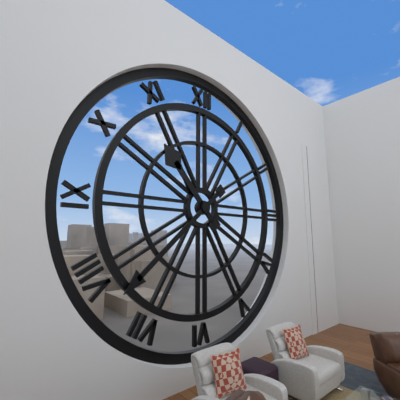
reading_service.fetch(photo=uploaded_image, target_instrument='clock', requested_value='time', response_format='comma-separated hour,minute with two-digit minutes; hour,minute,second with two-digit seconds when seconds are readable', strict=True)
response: 10,38
